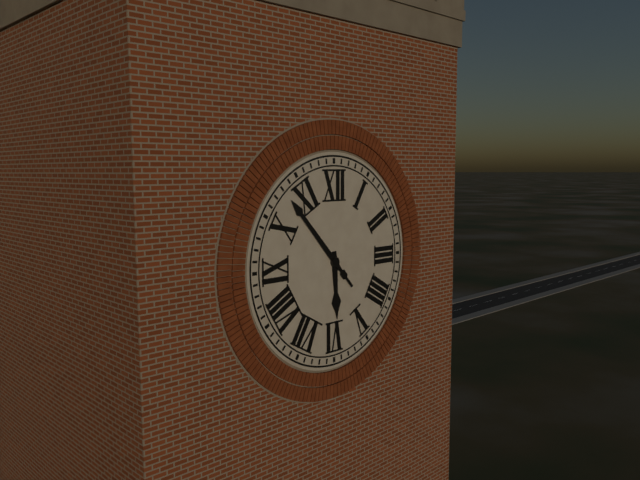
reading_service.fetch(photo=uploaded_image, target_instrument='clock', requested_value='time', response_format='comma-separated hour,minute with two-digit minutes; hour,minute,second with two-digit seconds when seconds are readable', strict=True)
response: 5,53
